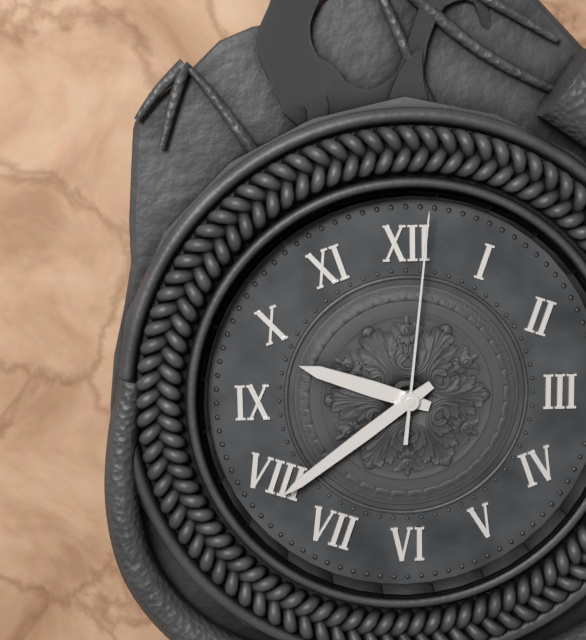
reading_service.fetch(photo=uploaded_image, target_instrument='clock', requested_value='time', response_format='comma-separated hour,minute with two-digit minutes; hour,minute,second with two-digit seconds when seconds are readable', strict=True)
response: 9,39,01
